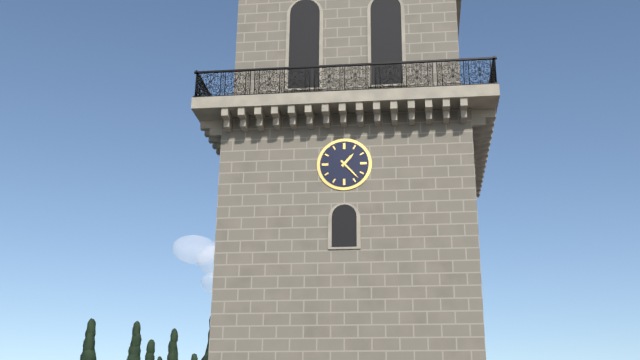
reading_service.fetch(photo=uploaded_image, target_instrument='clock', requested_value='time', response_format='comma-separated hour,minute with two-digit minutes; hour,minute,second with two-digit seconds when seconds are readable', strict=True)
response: 1,23
